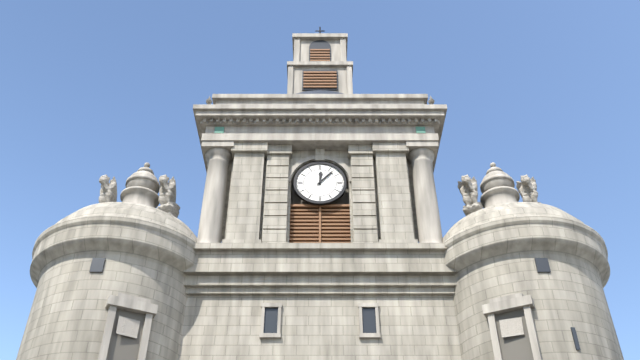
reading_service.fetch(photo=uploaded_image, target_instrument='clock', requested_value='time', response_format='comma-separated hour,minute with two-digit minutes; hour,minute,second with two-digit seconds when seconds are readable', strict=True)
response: 12,07
